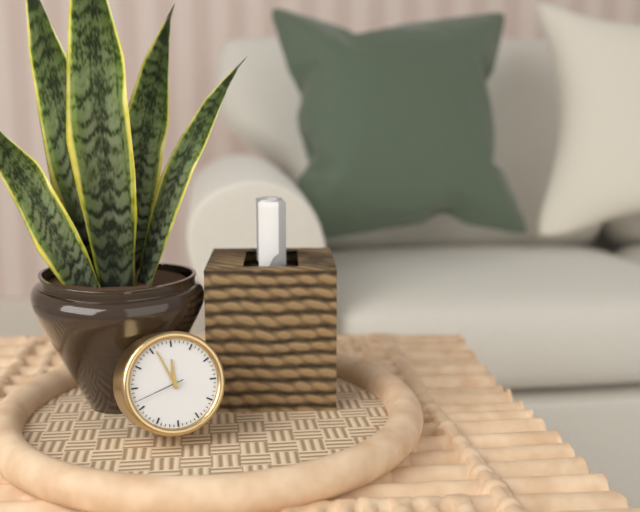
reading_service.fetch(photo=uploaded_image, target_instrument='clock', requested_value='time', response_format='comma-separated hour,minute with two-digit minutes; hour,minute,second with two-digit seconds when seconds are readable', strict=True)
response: 11,56,42
